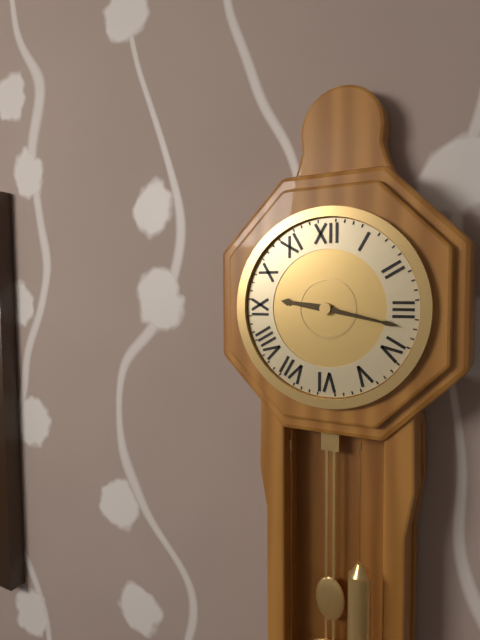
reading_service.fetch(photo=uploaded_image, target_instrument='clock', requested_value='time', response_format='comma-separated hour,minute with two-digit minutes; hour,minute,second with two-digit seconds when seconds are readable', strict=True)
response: 9,17
